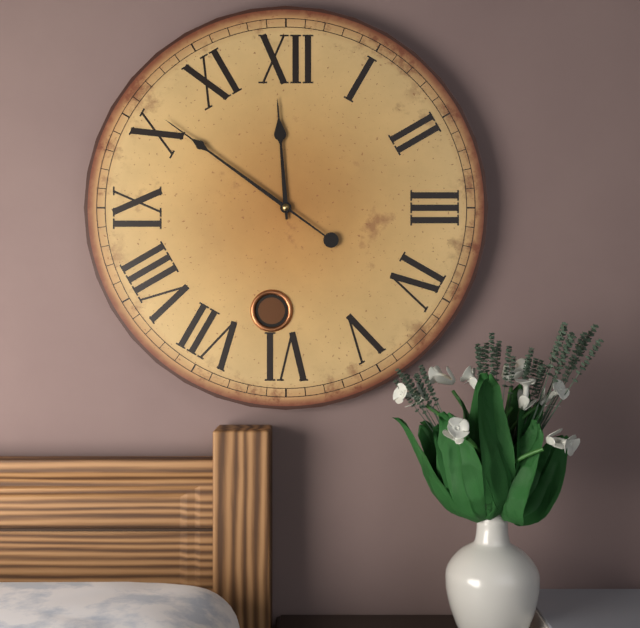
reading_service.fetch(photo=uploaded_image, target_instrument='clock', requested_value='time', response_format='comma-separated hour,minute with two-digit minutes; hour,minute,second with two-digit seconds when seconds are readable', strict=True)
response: 11,51
